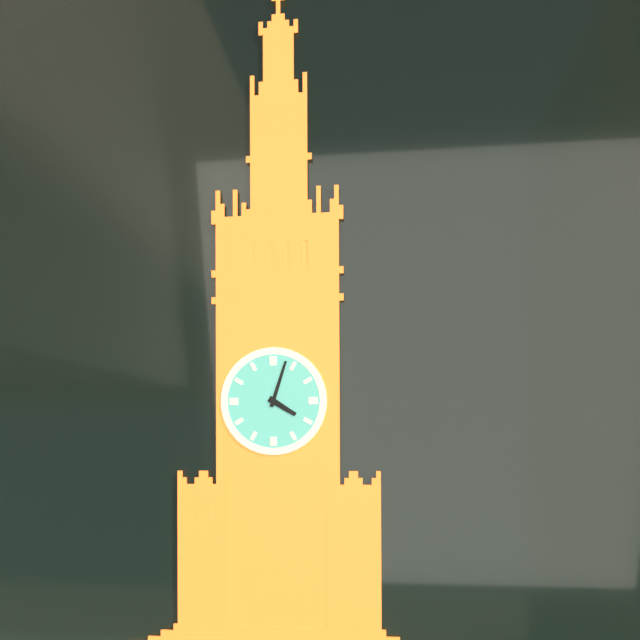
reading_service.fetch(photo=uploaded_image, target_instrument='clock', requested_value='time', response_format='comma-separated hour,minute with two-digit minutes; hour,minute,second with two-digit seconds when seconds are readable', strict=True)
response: 4,03
